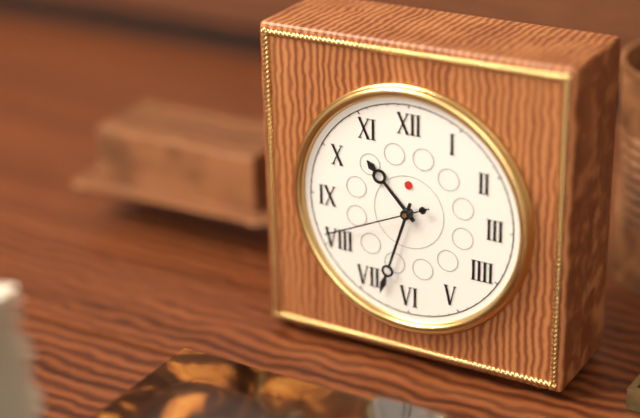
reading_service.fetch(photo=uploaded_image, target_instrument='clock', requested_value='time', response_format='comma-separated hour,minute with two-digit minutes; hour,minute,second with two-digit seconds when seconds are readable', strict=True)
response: 10,33,41
